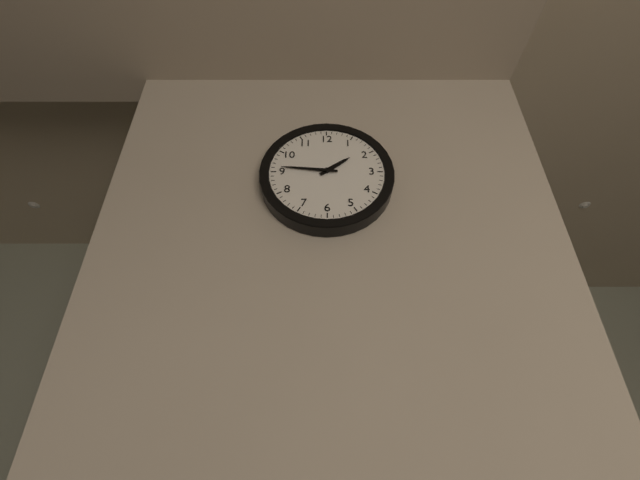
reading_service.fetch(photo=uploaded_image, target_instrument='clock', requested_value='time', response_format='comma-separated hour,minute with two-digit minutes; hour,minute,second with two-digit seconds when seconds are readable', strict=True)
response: 1,46
